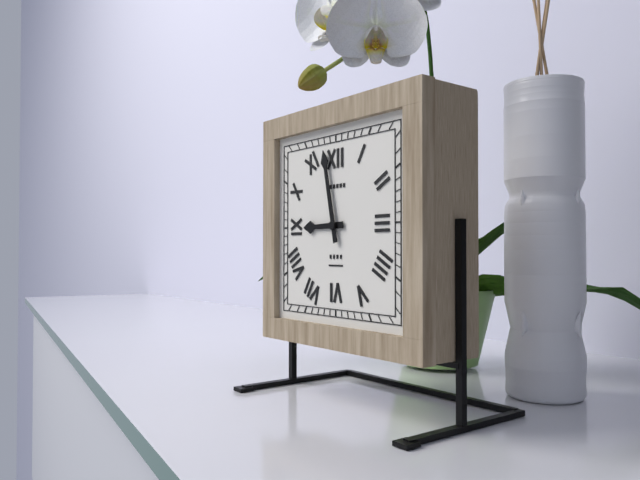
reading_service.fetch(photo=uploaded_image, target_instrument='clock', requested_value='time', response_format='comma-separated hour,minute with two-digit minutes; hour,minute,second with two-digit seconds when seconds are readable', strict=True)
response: 8,58
